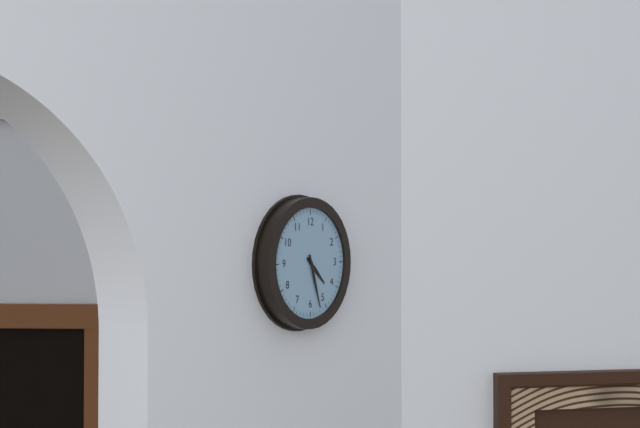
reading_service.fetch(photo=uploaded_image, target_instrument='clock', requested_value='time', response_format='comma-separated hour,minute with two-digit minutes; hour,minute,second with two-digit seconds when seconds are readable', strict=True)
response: 4,27
